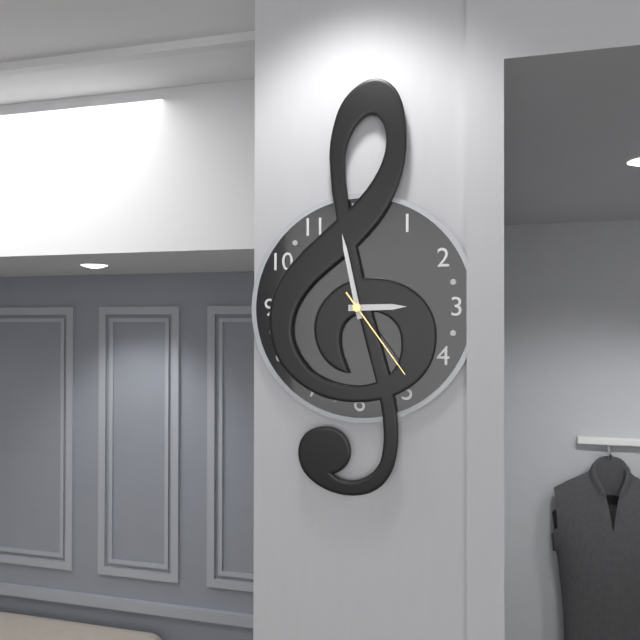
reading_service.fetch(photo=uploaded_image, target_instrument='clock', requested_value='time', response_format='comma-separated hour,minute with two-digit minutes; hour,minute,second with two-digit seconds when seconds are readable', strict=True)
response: 2,58,24
